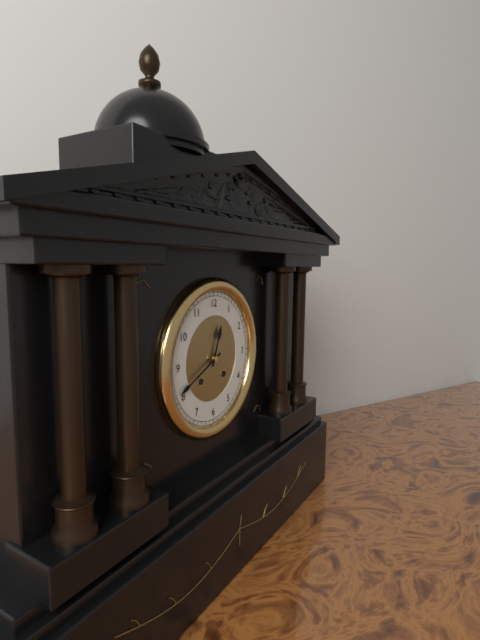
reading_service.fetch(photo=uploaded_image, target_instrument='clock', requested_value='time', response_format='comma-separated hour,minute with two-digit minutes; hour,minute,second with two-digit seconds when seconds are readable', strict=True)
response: 12,41
